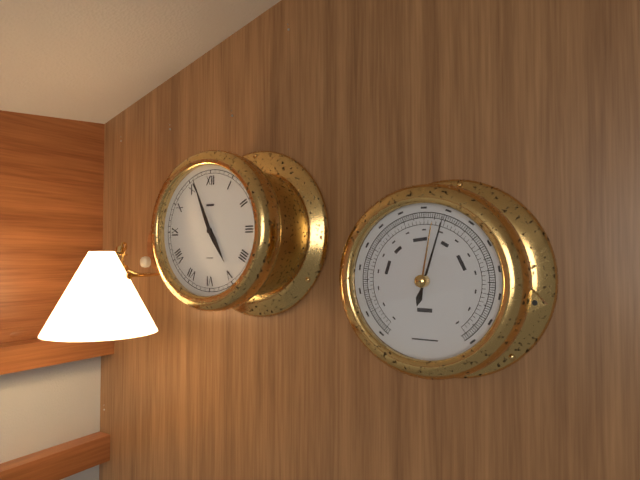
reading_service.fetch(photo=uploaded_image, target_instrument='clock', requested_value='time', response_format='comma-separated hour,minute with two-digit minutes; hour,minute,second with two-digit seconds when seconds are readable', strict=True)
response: 4,56
